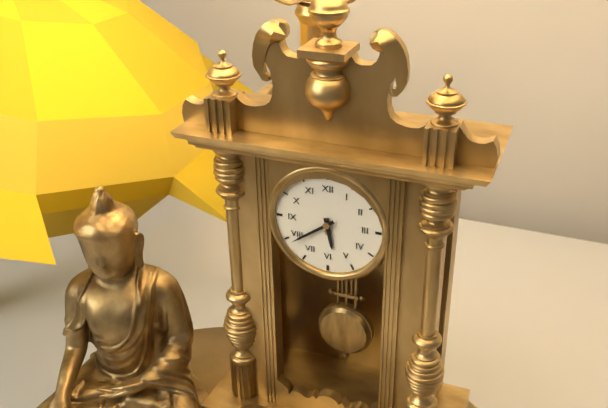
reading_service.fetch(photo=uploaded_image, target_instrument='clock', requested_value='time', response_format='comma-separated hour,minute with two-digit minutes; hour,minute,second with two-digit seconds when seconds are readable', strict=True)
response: 5,39
